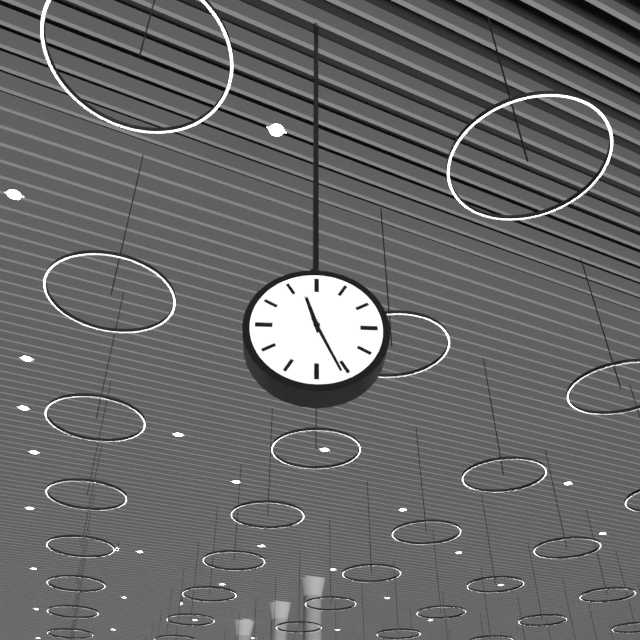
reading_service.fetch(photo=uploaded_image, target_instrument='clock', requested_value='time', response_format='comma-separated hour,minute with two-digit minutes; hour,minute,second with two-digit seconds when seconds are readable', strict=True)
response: 11,26
